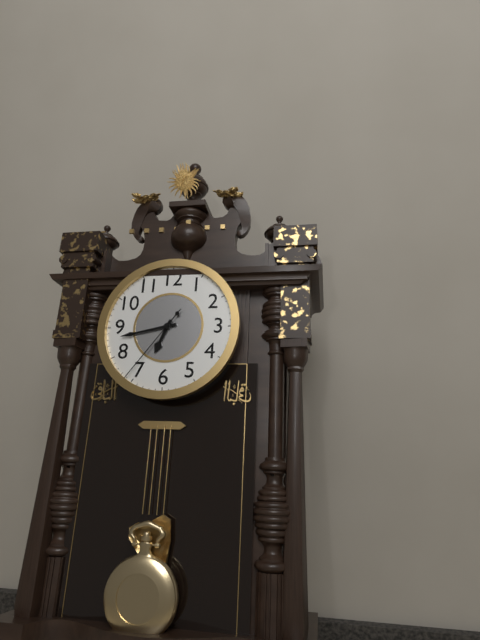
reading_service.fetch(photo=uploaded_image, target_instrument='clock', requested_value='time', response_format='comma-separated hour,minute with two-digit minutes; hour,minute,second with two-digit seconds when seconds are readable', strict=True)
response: 6,43,36
